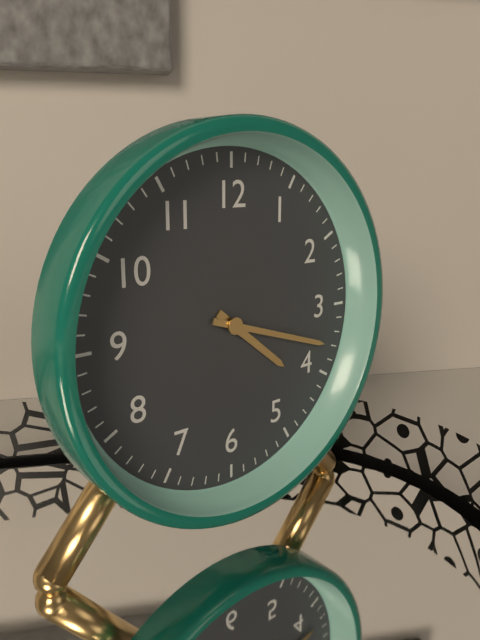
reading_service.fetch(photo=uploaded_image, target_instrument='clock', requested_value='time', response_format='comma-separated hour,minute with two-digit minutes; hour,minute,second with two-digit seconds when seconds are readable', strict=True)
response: 4,18
